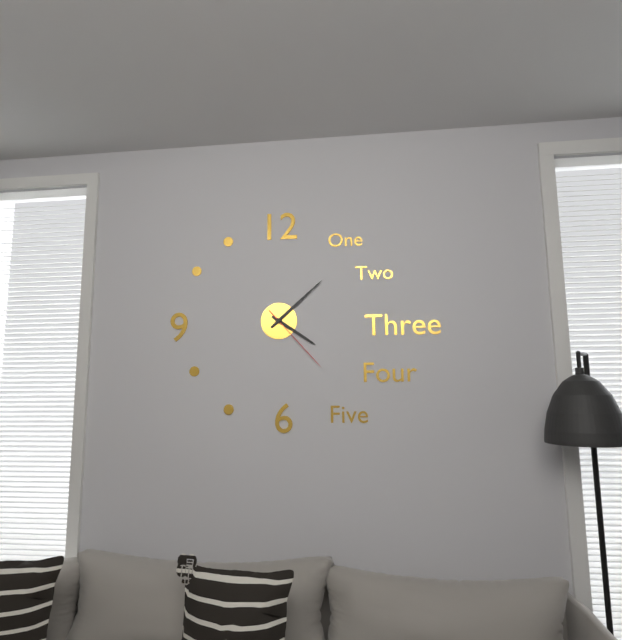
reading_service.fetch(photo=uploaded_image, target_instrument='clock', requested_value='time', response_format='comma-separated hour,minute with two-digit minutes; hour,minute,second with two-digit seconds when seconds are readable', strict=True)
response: 4,08,23
